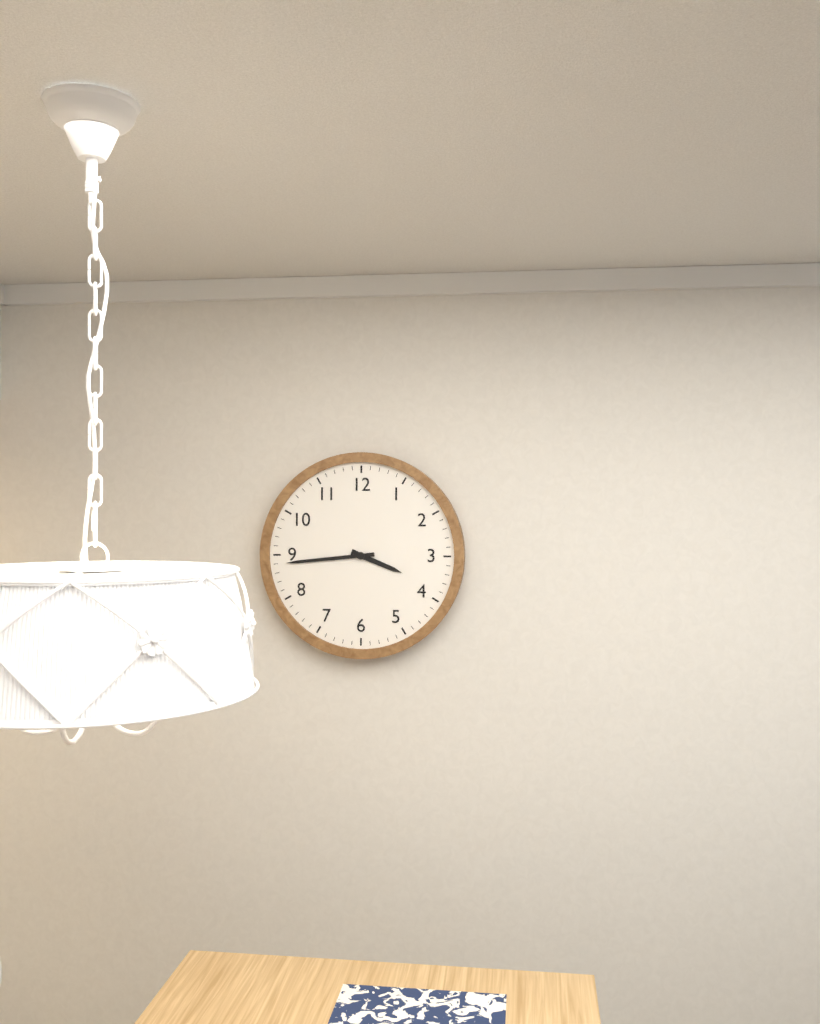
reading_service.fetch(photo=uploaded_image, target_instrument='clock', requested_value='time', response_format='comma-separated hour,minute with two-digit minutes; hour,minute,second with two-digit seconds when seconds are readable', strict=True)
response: 3,44
